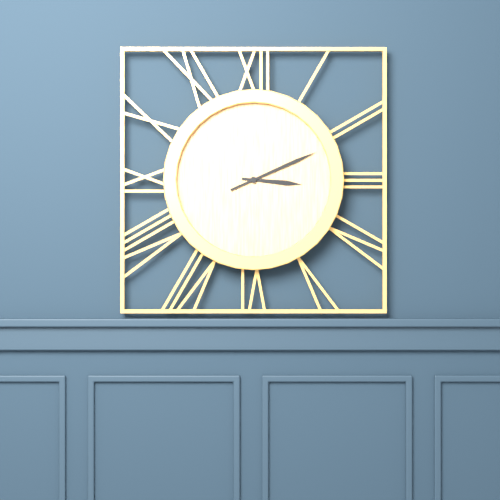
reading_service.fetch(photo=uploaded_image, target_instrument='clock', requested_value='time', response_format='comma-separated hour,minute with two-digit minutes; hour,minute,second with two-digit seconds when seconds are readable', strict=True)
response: 3,11
